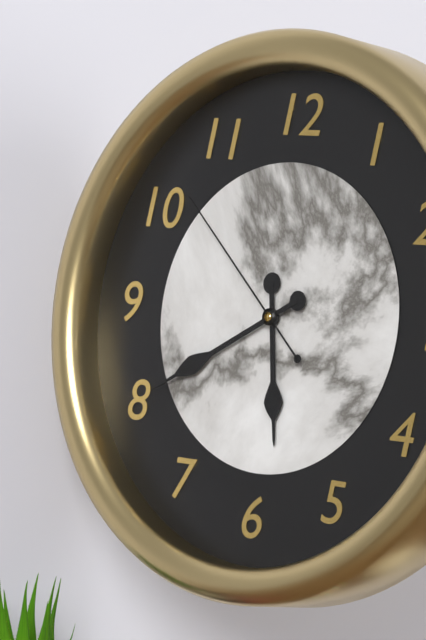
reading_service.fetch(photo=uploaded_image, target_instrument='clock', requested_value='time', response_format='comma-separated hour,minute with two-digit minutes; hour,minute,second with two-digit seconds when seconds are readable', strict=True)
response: 5,40,52
